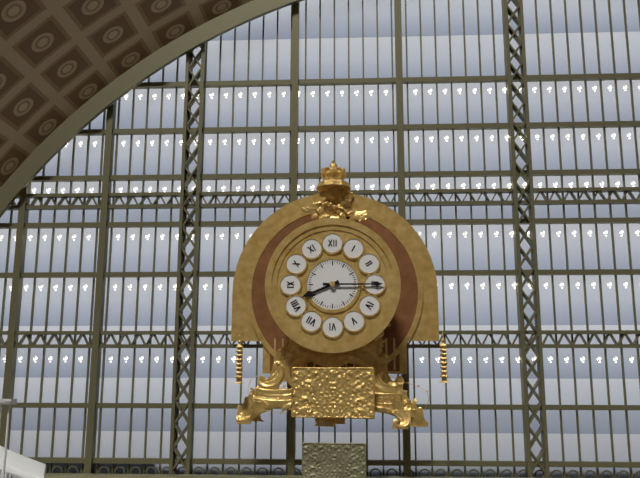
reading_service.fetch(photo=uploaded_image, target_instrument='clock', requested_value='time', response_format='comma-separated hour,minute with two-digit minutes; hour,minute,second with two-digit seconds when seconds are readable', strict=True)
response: 8,15
